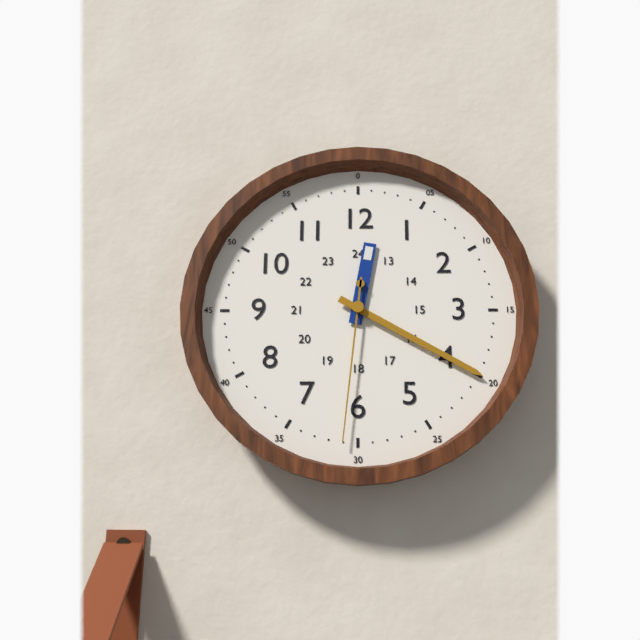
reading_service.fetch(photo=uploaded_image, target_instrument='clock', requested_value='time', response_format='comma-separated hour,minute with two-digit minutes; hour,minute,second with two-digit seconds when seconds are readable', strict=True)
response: 12,20,31
